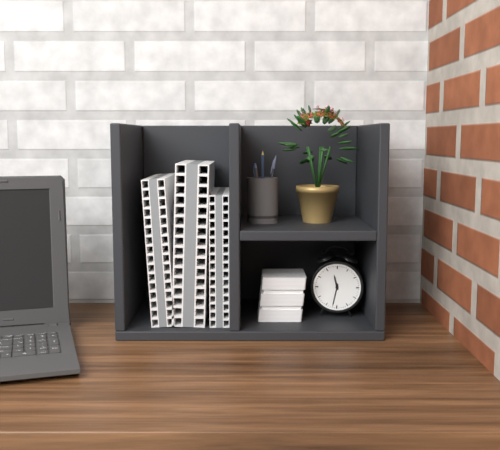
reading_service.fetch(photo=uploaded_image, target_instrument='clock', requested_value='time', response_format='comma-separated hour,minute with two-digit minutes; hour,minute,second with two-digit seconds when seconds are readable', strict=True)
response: 11,32
